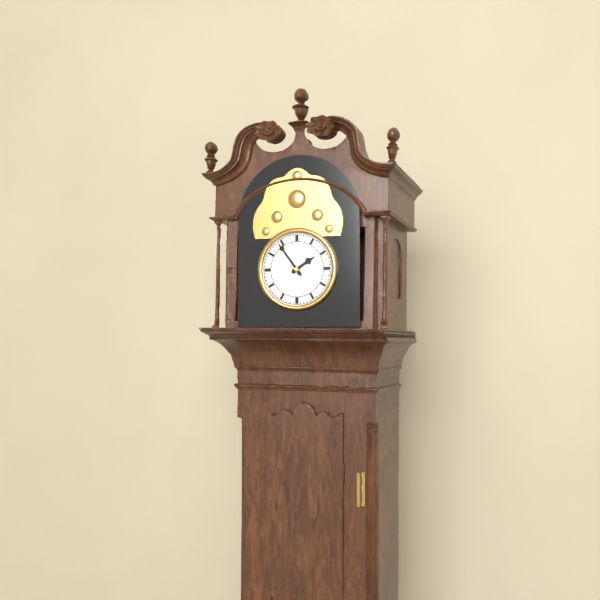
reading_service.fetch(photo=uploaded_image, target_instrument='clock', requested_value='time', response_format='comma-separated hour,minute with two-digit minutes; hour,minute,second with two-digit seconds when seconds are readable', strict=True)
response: 1,54
